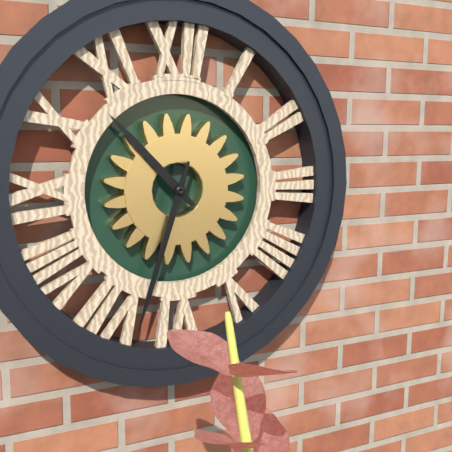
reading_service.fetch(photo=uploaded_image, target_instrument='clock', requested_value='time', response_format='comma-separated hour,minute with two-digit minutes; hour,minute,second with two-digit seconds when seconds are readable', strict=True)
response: 10,33
